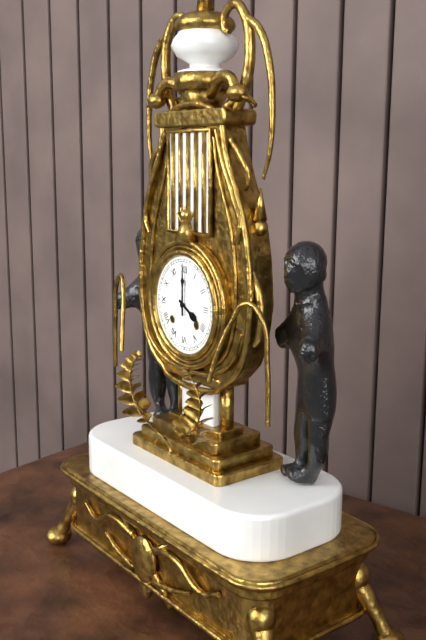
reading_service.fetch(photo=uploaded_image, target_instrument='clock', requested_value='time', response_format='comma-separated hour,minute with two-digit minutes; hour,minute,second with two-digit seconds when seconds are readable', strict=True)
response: 4,00
